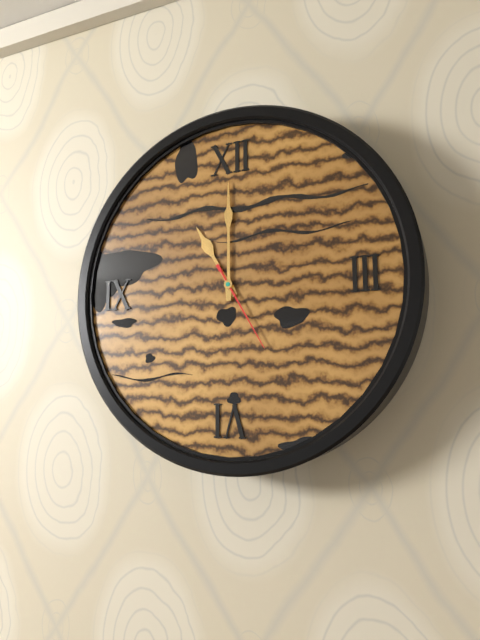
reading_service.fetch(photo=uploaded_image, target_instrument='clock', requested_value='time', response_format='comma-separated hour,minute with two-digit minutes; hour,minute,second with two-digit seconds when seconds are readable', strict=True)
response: 11,00,25
